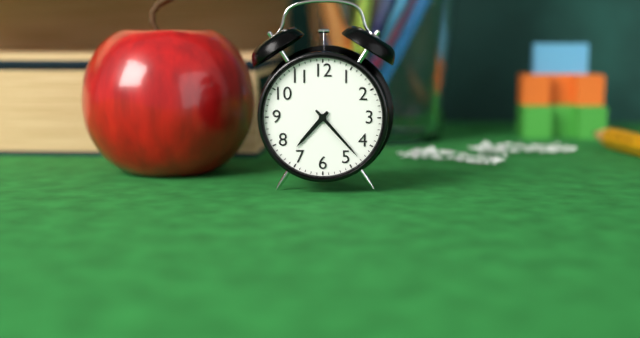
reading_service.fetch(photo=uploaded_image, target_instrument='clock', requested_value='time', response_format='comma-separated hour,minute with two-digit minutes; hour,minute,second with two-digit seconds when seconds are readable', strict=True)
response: 7,23
